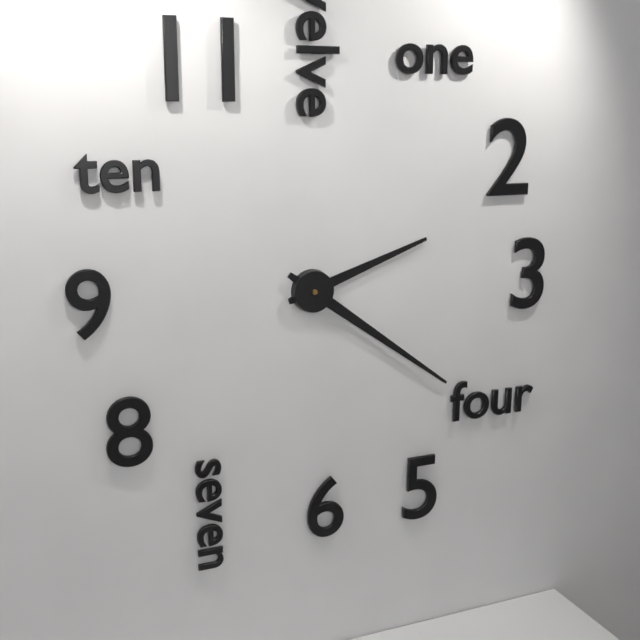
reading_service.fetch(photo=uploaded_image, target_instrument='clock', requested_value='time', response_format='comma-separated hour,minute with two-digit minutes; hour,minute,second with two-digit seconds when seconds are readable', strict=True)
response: 2,21
